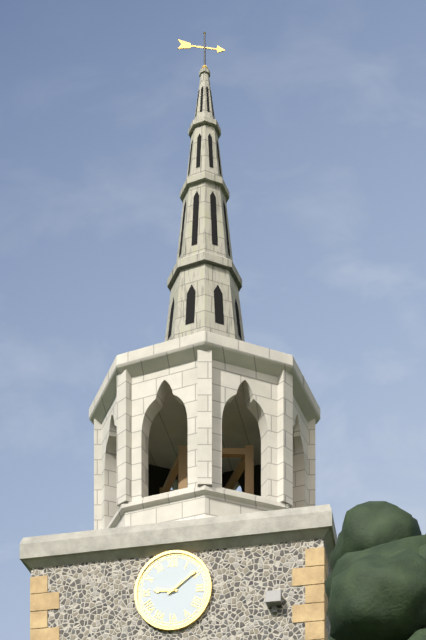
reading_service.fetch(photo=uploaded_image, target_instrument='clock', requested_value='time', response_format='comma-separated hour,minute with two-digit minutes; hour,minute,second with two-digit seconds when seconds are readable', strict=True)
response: 9,09
